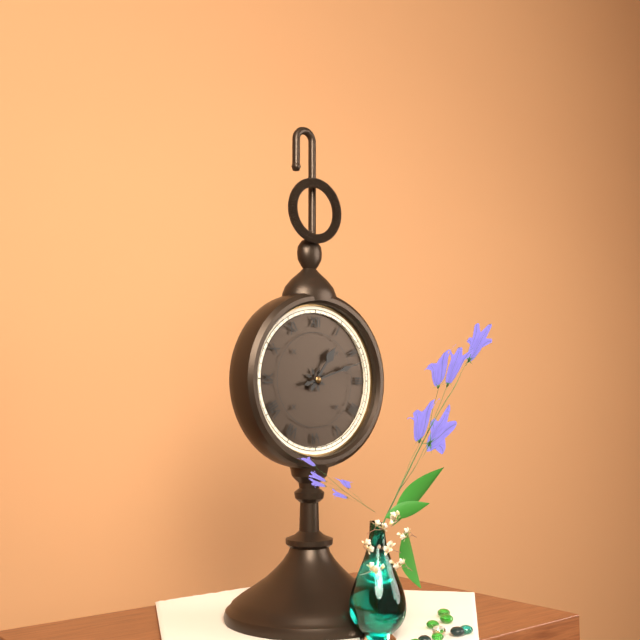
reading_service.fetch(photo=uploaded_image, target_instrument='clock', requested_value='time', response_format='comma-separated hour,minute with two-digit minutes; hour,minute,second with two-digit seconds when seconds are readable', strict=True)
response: 1,12
